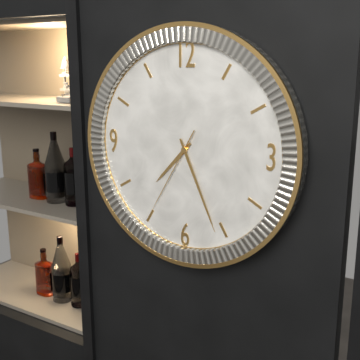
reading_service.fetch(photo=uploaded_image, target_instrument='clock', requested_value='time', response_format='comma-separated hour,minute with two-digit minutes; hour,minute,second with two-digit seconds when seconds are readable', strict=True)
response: 7,26,35
